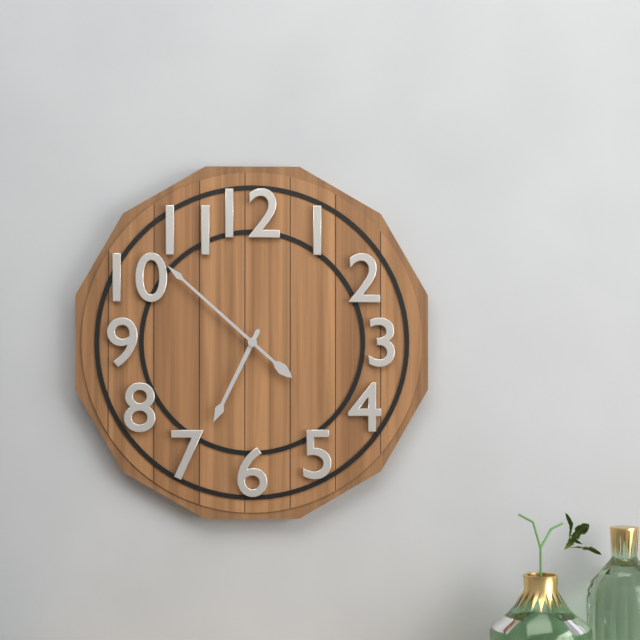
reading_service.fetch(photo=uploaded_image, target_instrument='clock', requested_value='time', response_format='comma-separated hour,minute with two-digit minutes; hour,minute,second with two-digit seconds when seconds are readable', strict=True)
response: 6,52
